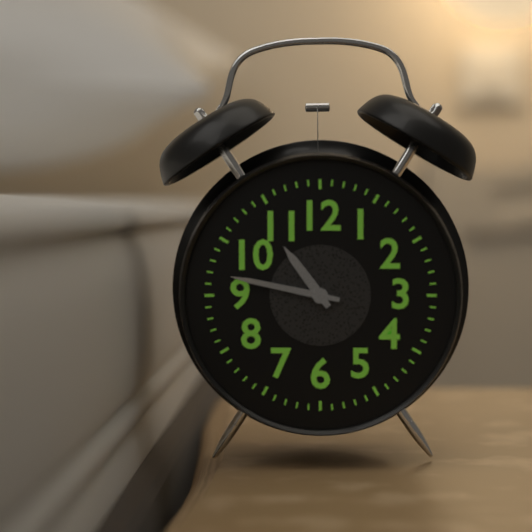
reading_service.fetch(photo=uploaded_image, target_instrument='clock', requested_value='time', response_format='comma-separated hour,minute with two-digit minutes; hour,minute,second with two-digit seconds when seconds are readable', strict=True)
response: 10,47
